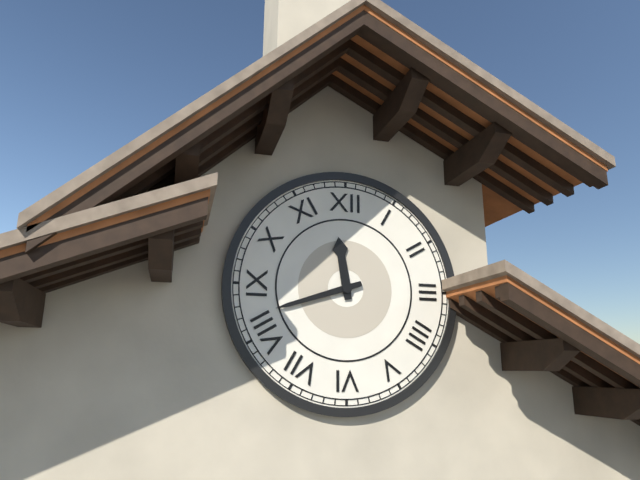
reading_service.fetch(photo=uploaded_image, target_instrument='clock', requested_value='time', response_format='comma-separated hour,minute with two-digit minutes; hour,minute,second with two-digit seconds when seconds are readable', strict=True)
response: 11,42
